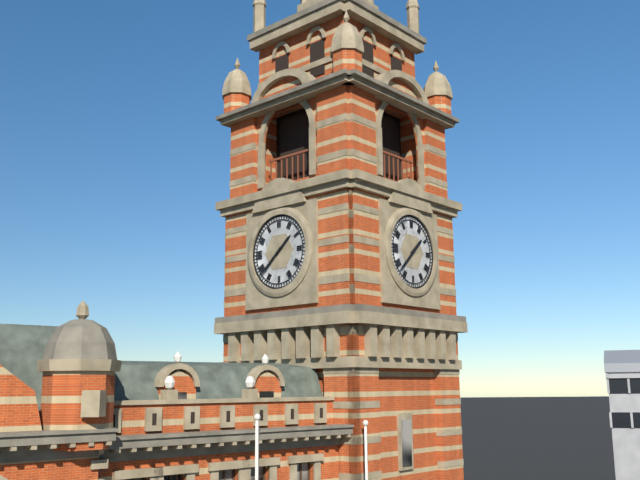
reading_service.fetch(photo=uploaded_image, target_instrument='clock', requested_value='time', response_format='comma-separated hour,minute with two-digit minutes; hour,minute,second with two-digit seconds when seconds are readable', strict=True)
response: 1,38
